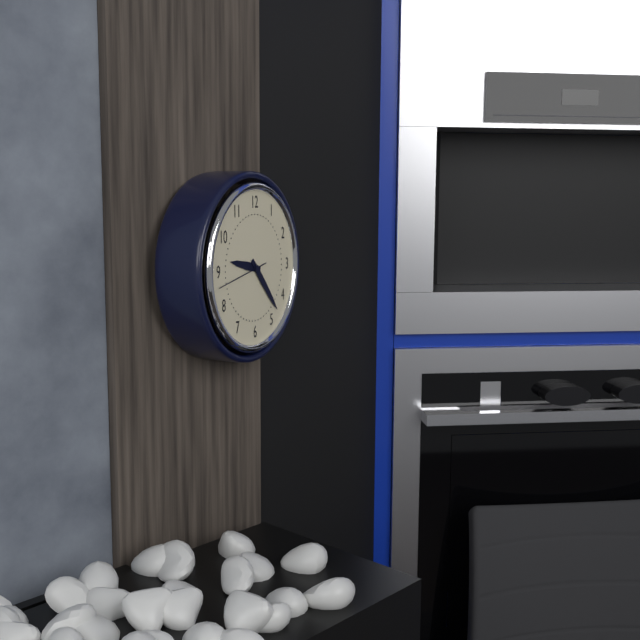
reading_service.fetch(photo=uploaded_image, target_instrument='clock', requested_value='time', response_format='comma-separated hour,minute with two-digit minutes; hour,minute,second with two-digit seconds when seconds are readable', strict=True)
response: 9,23,43
